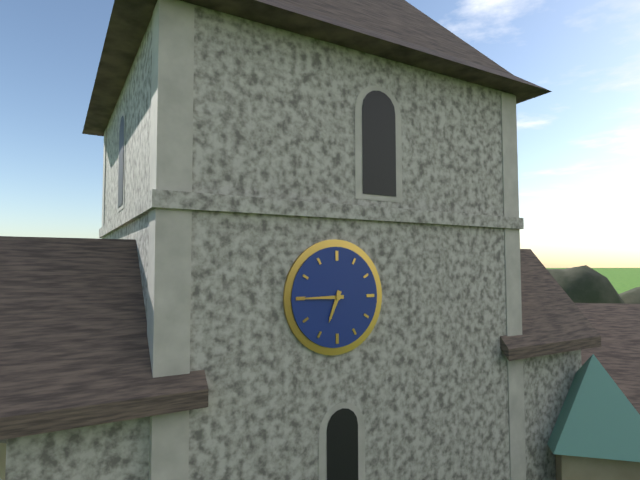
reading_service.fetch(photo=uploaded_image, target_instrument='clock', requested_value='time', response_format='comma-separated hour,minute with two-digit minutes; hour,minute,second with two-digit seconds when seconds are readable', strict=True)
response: 6,45
